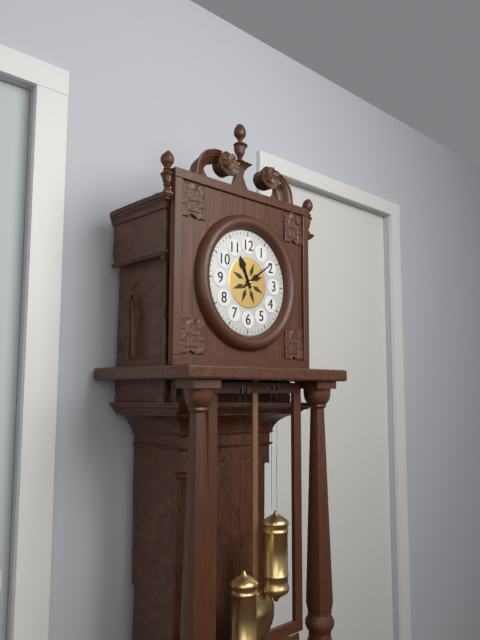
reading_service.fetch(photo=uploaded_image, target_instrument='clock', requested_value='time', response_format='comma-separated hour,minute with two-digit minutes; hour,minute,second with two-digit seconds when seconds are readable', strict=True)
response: 11,09
